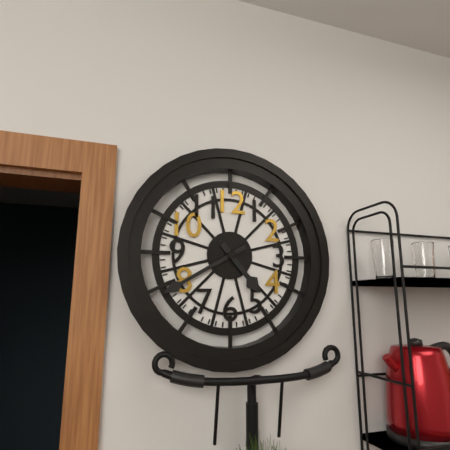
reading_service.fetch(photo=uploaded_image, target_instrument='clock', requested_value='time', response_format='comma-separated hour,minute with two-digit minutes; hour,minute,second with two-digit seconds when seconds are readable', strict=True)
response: 4,40
